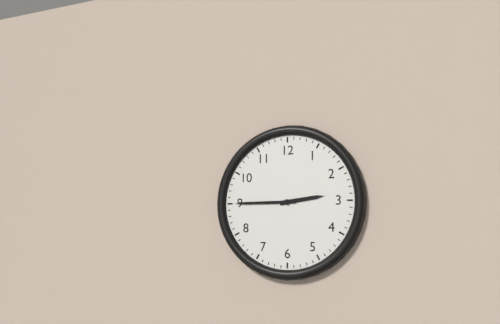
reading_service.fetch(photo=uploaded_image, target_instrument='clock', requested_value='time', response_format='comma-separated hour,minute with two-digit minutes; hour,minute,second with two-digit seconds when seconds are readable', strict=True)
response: 2,45
